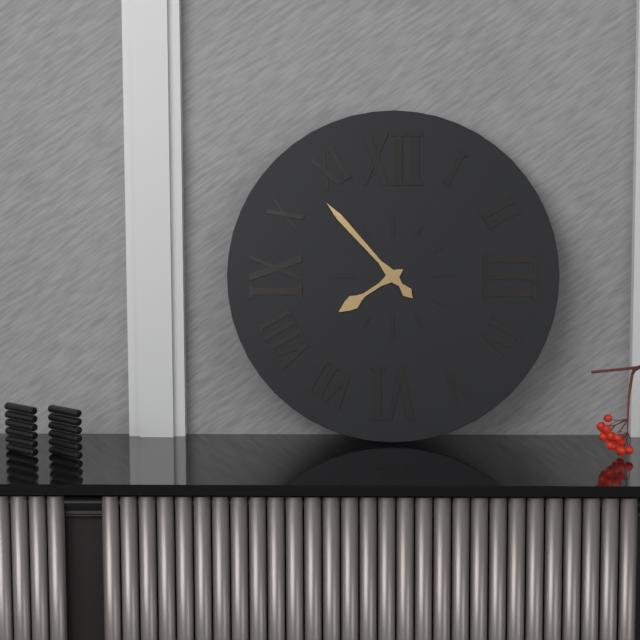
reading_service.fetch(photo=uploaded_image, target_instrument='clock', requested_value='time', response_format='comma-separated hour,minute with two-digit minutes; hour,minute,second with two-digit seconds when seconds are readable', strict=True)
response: 7,53
